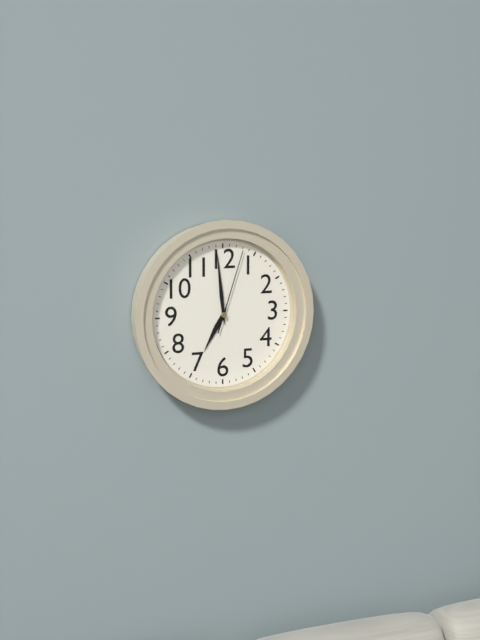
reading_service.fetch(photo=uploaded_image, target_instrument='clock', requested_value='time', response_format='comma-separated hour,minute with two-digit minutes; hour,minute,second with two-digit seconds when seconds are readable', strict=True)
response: 6,59,03
